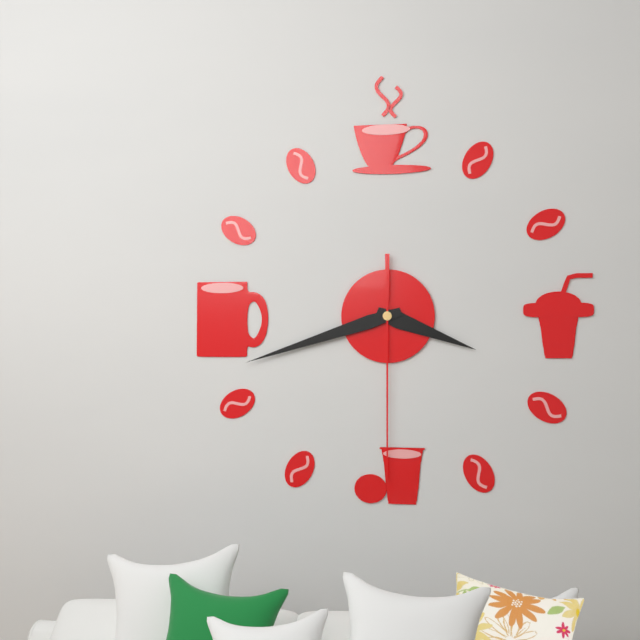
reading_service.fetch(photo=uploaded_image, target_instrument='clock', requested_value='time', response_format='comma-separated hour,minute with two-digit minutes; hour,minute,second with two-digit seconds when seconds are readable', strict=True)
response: 3,42,30
